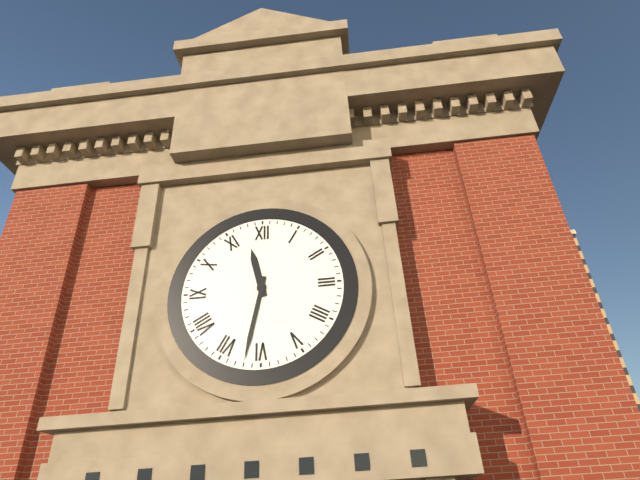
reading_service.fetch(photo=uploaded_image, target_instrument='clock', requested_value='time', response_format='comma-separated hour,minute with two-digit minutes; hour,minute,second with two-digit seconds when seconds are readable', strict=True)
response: 11,32
